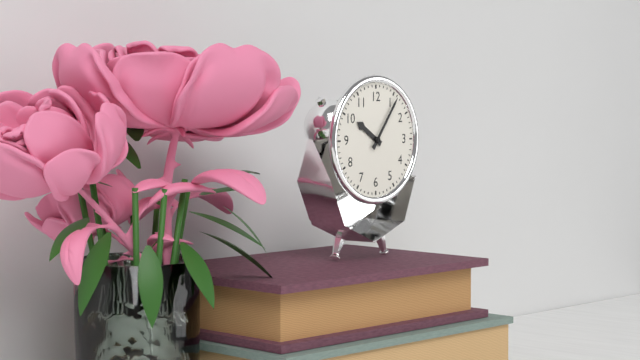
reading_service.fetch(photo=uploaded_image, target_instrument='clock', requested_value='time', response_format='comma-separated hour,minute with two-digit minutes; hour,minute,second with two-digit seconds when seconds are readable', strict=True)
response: 10,06
